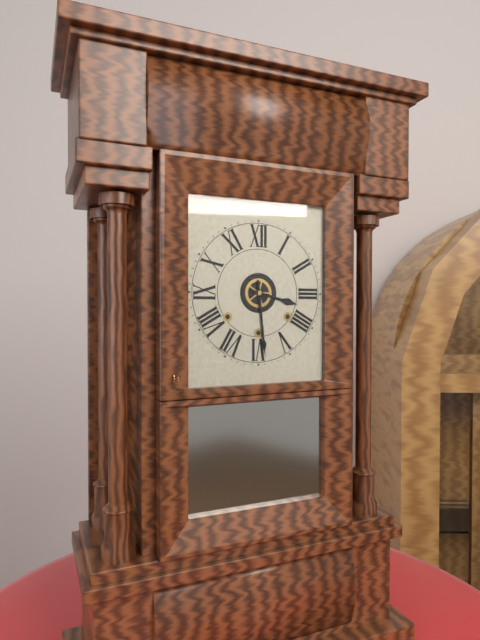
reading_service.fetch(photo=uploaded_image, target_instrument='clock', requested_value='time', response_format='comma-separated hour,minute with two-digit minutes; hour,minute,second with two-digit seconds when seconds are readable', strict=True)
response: 3,29
